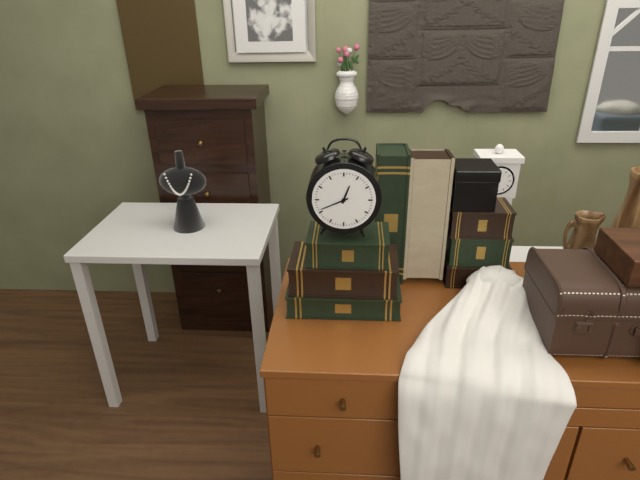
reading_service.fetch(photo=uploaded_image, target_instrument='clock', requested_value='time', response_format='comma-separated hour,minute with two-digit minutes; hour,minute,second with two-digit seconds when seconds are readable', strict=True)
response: 12,41
